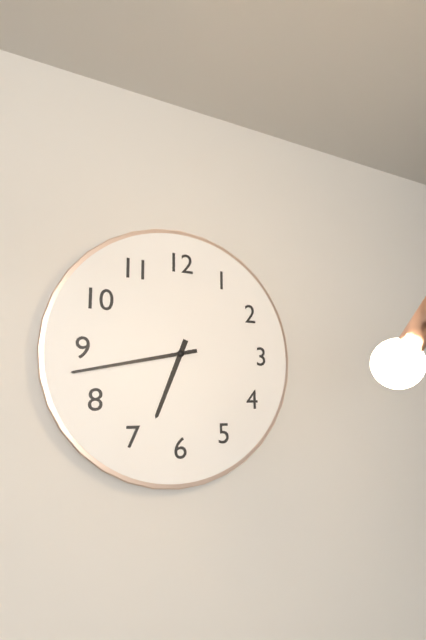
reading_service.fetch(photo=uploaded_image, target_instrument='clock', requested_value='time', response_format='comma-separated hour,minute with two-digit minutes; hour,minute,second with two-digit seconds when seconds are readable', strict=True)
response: 6,43
